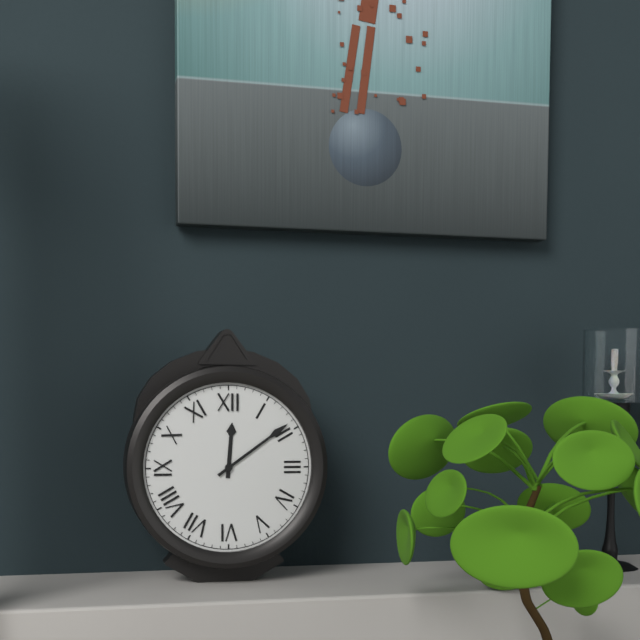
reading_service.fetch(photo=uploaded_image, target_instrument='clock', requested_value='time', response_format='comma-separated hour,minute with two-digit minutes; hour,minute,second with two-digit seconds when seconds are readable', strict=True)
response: 12,09
